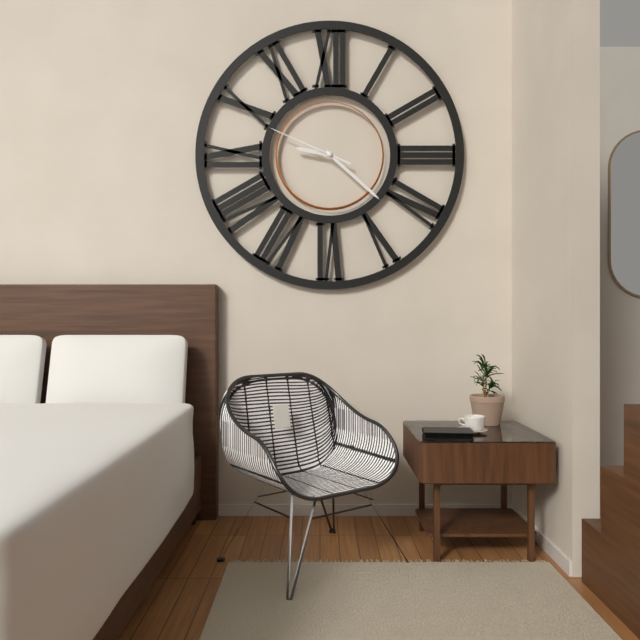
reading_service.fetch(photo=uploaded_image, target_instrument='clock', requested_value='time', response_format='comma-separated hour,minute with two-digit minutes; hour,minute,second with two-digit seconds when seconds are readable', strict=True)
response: 9,22,49
